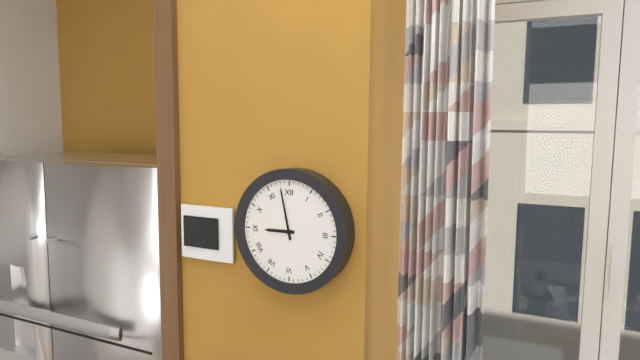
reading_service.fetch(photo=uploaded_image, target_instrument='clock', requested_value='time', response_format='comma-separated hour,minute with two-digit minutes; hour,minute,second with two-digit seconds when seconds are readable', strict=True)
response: 8,58
